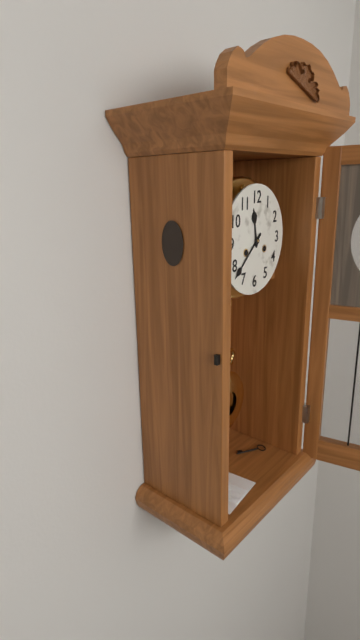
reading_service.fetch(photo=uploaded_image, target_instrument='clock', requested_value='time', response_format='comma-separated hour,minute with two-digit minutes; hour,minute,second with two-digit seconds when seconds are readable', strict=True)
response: 11,38
